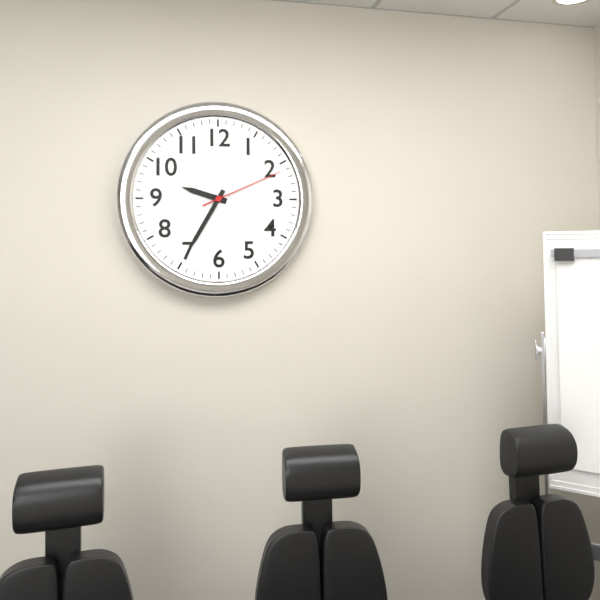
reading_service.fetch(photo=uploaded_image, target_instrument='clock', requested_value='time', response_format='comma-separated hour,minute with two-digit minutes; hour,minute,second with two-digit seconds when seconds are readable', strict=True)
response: 9,35,11
